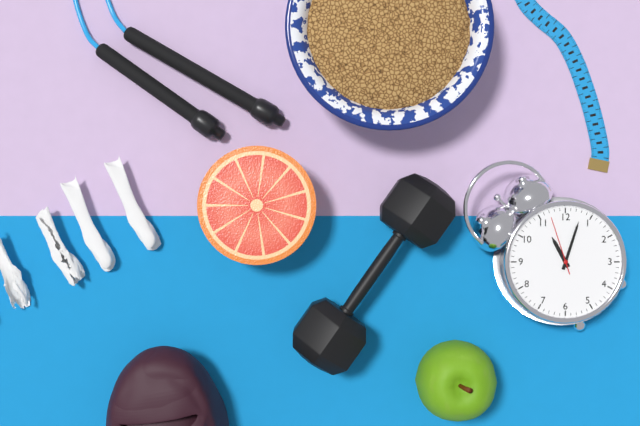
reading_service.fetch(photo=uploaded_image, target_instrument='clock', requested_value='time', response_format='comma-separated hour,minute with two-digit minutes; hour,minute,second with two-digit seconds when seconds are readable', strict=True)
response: 11,03,57
